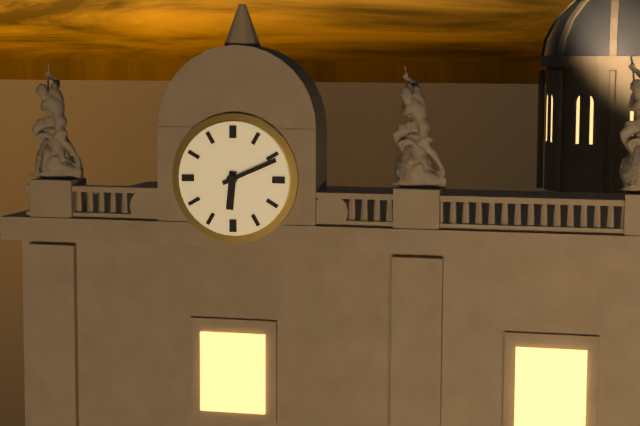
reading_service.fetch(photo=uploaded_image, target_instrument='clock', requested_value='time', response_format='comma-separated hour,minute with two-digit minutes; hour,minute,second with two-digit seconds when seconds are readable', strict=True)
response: 6,11
